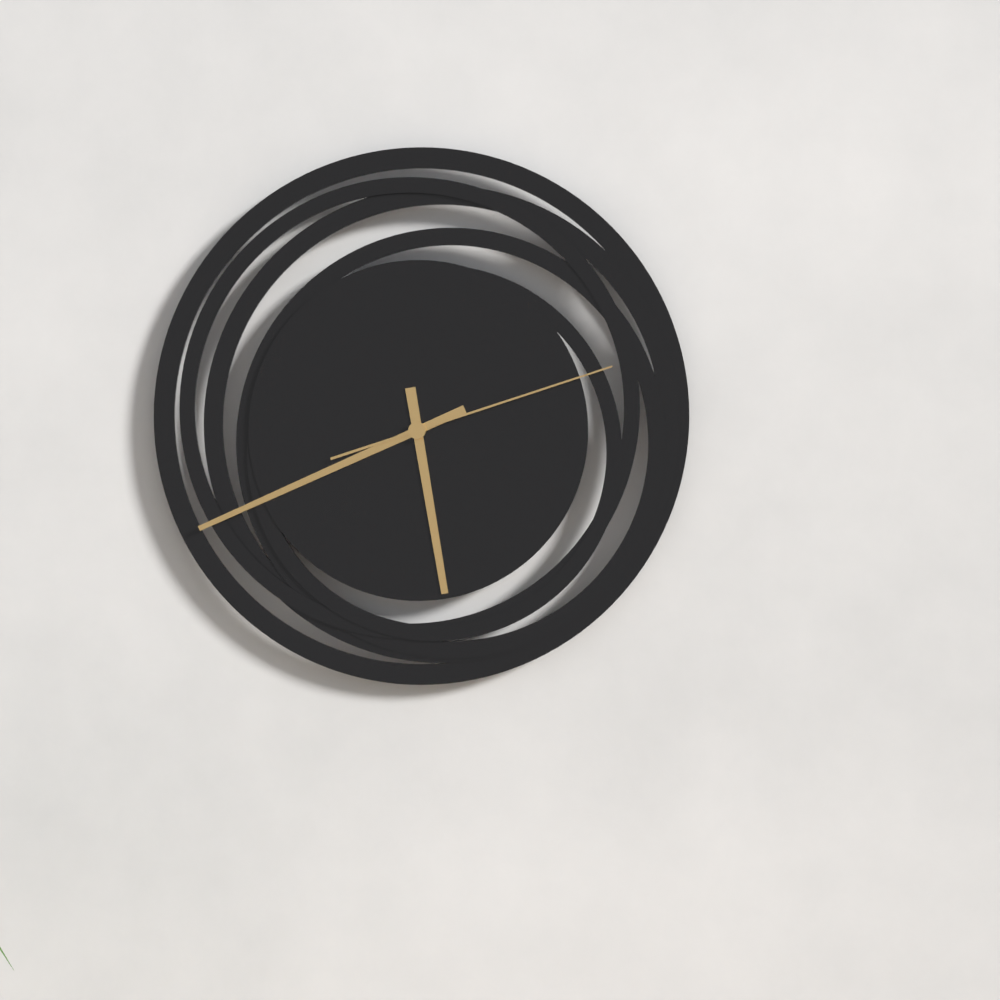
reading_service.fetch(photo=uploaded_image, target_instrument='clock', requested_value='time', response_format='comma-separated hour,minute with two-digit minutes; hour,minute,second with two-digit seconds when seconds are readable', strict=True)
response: 5,41,12
